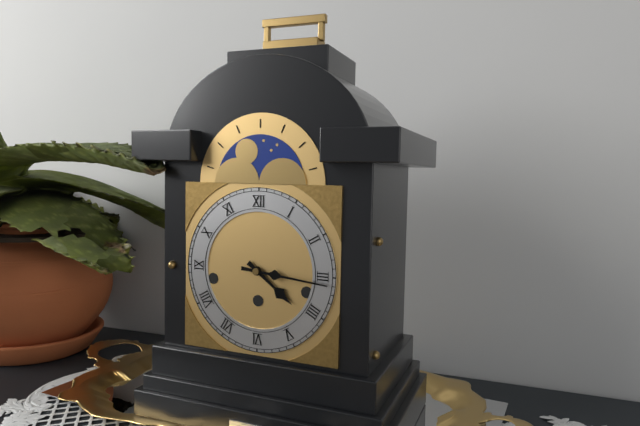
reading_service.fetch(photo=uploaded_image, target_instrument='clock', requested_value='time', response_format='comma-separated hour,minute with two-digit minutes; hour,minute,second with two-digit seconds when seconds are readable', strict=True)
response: 4,16
